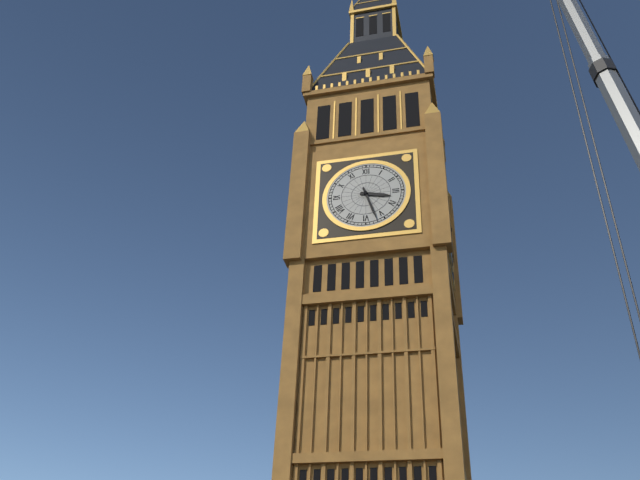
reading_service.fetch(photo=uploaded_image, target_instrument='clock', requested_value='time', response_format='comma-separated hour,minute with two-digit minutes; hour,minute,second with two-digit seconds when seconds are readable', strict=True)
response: 3,27
